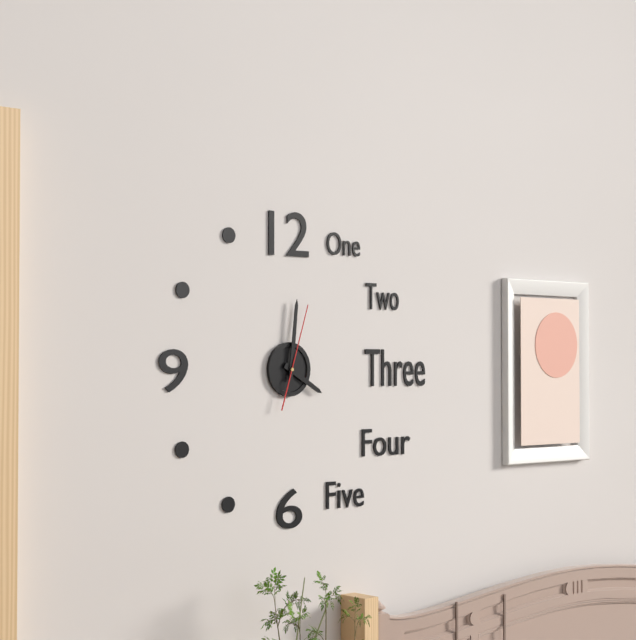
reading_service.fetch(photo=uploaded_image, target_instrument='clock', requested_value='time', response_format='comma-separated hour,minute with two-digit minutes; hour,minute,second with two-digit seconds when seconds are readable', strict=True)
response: 4,01,03
